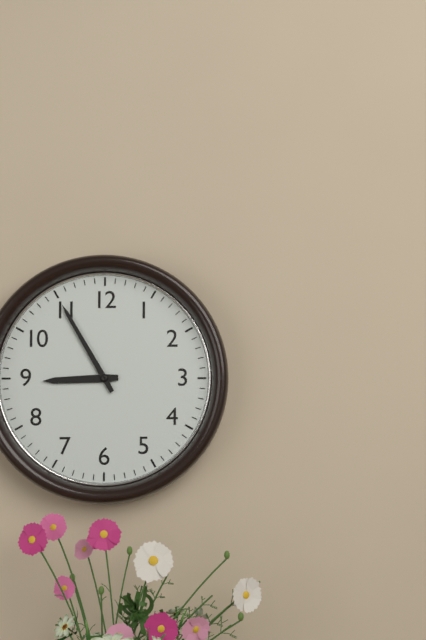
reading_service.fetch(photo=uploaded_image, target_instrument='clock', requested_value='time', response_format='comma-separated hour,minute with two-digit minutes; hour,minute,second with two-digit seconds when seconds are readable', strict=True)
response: 8,55
